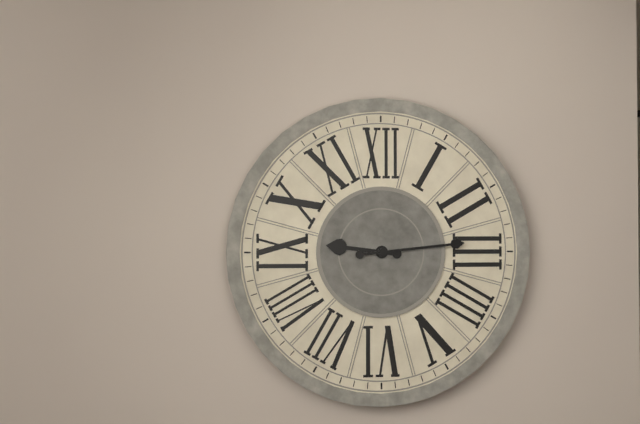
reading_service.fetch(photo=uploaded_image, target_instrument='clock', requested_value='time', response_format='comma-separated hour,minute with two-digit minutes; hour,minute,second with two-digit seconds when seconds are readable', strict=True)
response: 9,14
